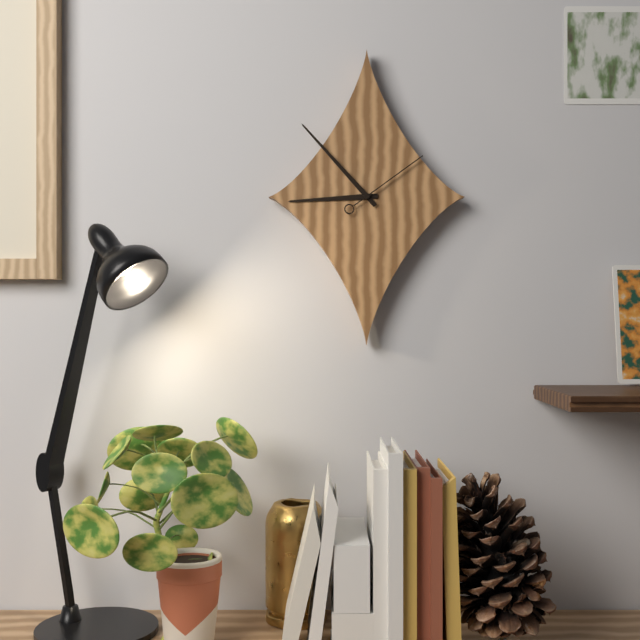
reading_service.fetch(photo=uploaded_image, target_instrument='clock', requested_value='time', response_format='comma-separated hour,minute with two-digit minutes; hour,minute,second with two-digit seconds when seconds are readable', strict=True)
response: 8,53,09
